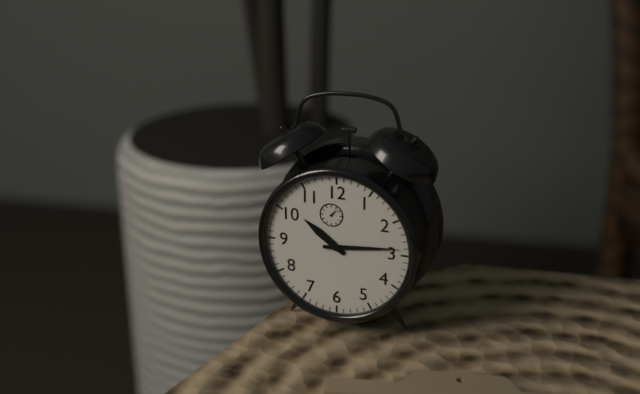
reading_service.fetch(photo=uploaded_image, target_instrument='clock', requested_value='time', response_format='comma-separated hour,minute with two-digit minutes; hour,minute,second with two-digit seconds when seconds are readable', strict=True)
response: 10,14
